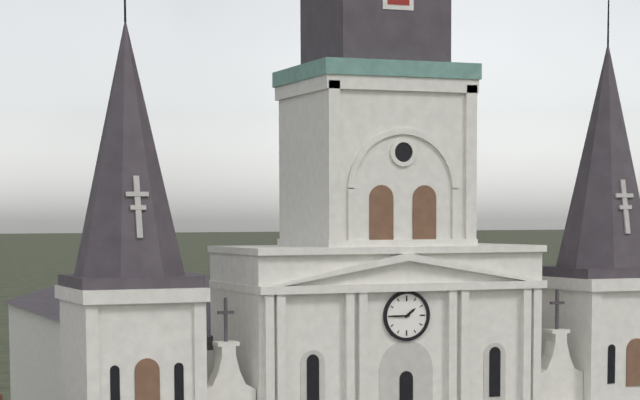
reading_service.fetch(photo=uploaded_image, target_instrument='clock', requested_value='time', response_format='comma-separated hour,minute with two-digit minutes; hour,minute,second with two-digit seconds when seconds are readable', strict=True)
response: 1,45
